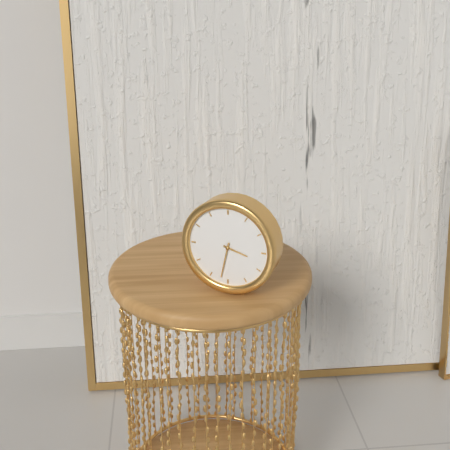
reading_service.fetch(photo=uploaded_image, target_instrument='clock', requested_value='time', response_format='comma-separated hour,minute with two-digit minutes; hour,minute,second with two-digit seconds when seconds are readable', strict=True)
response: 3,32
